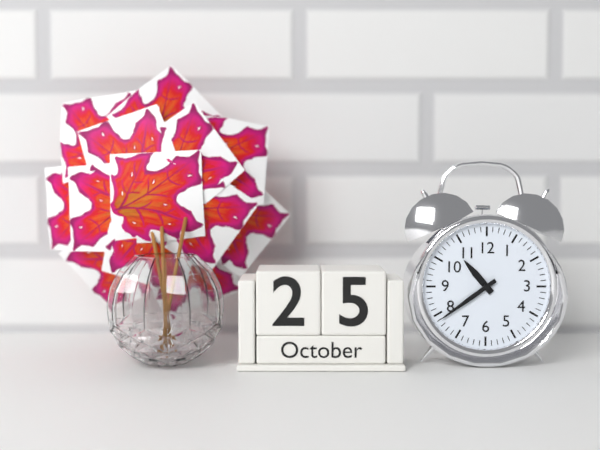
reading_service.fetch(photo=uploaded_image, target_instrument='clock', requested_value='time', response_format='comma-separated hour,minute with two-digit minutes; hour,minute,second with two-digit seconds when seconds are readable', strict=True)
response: 10,39
